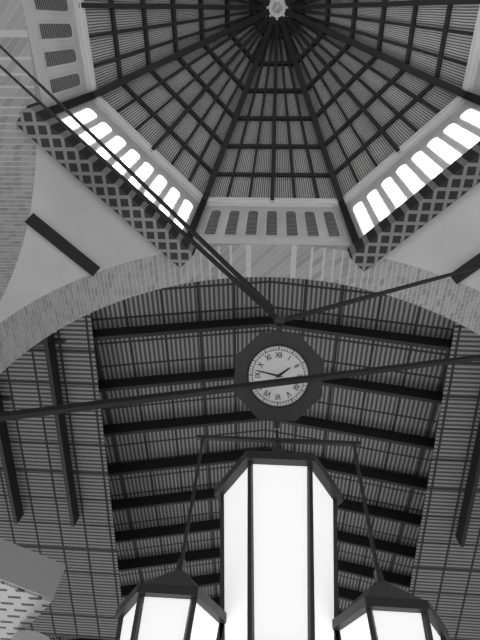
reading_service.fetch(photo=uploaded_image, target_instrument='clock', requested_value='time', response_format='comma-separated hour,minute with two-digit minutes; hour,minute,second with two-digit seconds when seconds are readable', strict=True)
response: 1,47
